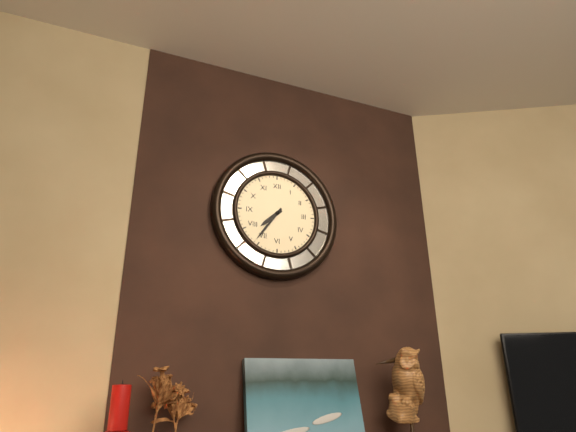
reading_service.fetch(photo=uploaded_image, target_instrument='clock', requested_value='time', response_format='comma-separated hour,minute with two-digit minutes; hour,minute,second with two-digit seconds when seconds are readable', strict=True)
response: 7,36
